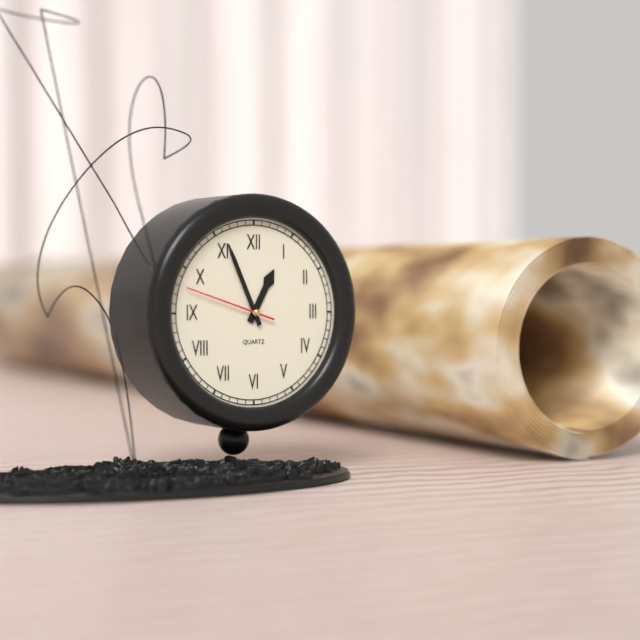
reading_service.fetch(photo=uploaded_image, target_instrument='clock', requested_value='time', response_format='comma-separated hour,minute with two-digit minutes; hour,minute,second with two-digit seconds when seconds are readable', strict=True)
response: 12,56,48
